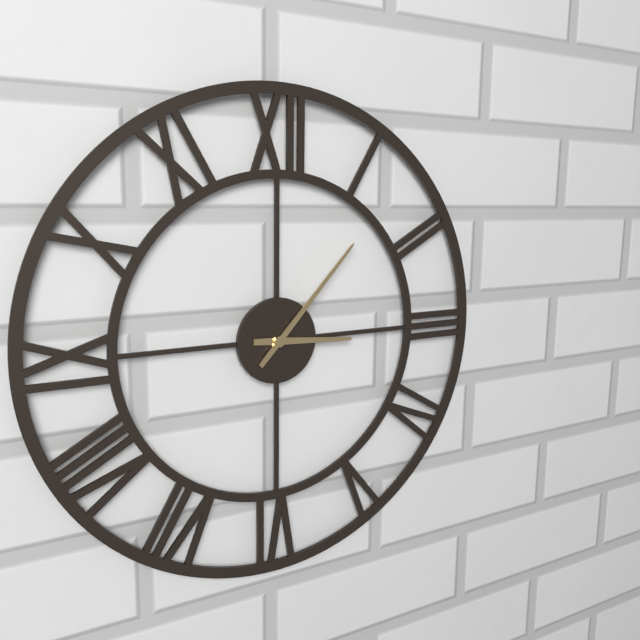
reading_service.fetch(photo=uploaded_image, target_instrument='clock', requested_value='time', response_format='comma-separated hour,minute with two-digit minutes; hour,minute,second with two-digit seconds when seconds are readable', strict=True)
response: 3,07
